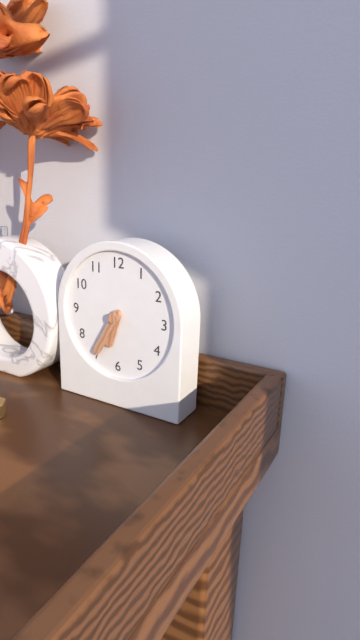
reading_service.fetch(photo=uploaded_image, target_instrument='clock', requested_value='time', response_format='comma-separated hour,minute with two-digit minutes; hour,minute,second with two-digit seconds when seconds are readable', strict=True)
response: 6,35
